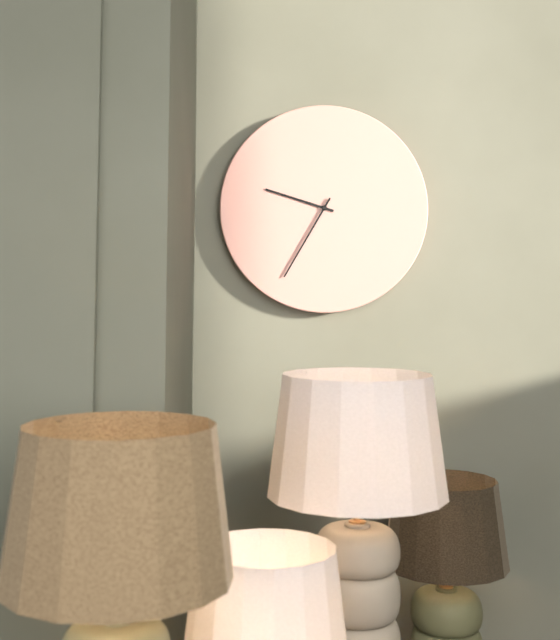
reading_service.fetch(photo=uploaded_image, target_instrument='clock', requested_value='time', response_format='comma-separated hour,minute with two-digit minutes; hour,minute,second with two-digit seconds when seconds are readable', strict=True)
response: 9,35
